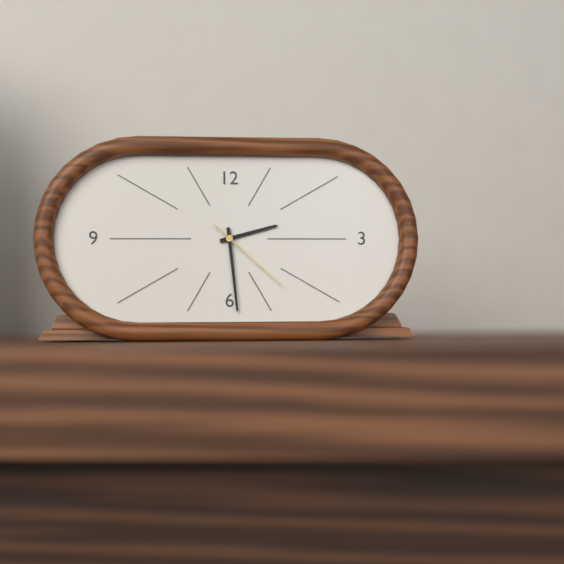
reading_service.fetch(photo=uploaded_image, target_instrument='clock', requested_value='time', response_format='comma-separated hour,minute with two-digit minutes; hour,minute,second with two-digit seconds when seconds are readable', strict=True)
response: 2,29,22
